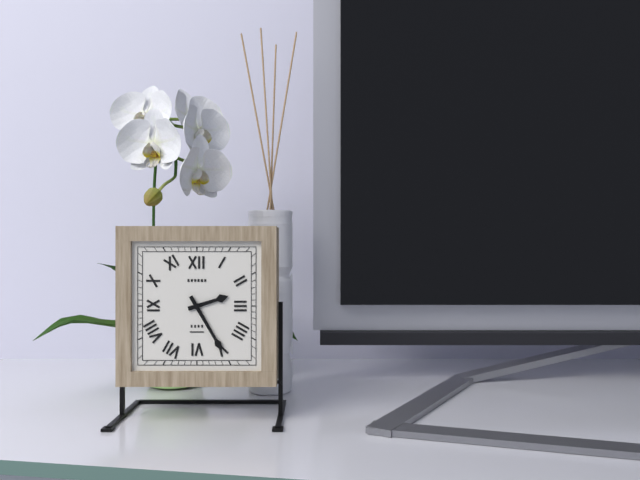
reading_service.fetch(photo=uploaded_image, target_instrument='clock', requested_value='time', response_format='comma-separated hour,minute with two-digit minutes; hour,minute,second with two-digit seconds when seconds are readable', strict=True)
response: 2,25
